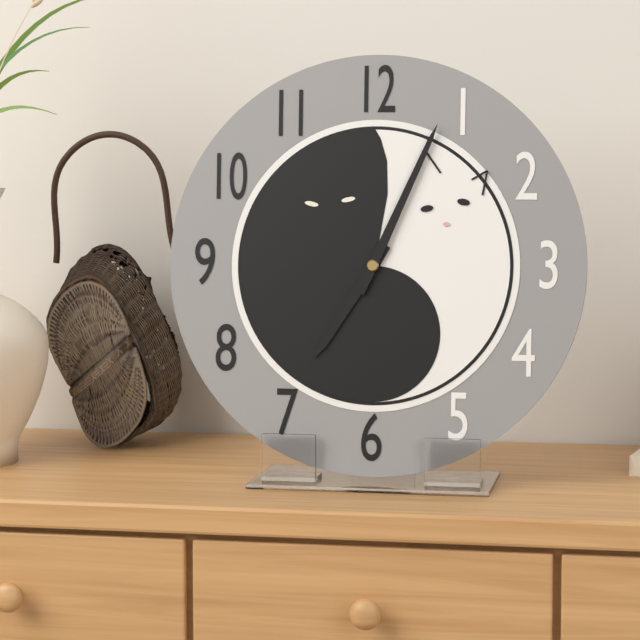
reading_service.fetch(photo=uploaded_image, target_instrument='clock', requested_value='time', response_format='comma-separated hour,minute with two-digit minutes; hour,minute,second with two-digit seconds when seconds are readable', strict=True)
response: 7,04
